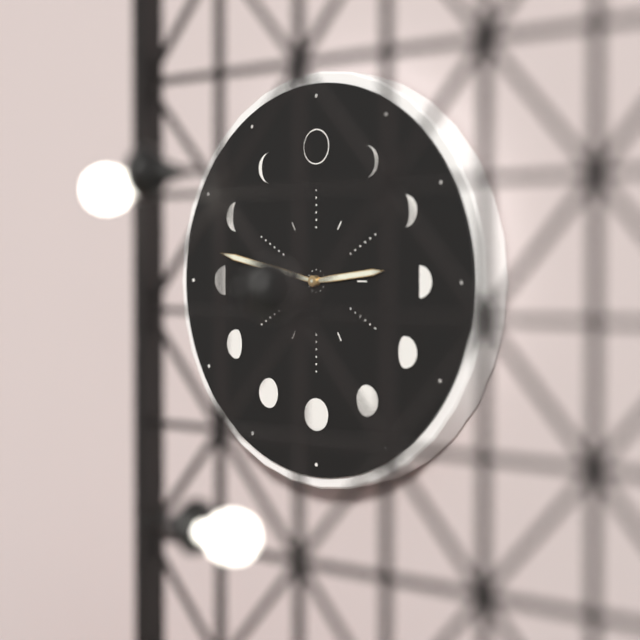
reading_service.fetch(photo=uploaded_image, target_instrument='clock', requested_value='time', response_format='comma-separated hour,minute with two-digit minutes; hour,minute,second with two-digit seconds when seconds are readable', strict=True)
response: 2,47
